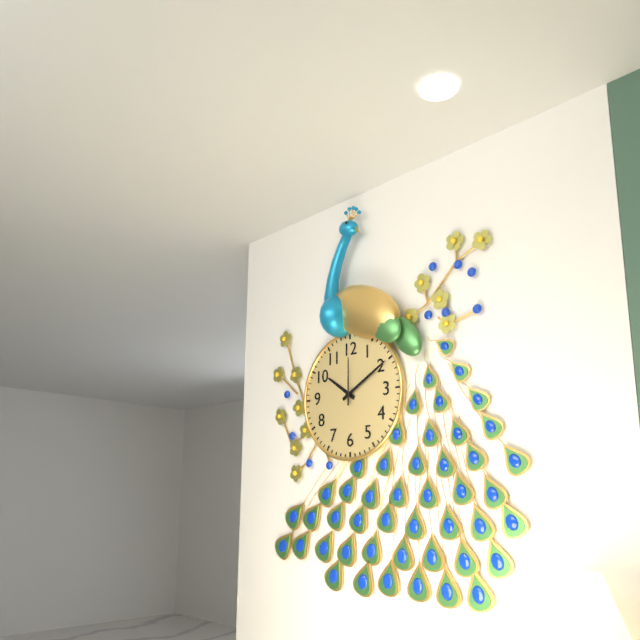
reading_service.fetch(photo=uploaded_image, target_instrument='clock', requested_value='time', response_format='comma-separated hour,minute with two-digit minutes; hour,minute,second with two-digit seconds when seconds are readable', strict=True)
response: 10,10
